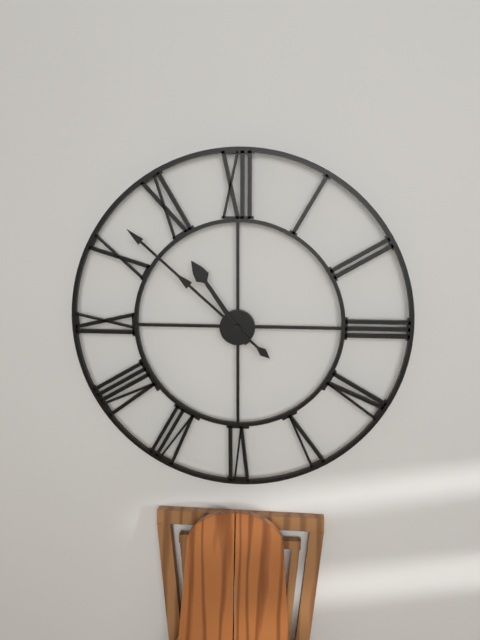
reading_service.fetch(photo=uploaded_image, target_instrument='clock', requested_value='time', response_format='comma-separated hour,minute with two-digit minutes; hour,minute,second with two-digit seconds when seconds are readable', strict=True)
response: 10,52
